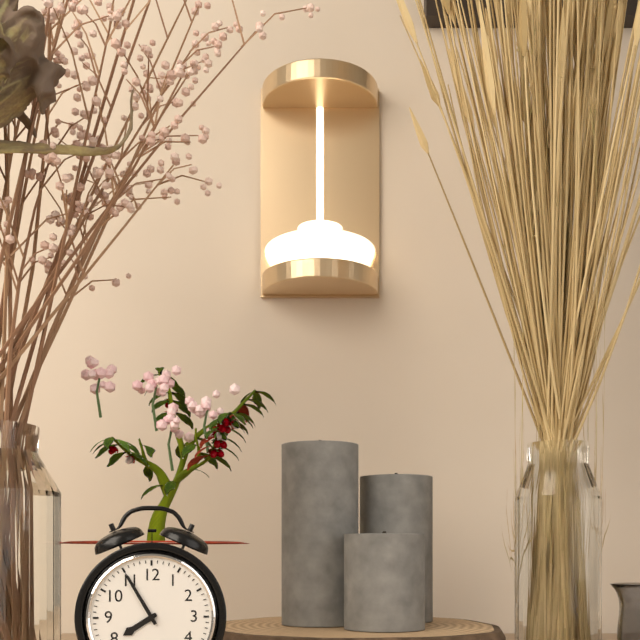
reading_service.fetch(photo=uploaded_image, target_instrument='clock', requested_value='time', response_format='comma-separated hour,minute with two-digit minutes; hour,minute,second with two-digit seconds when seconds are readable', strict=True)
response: 7,55
